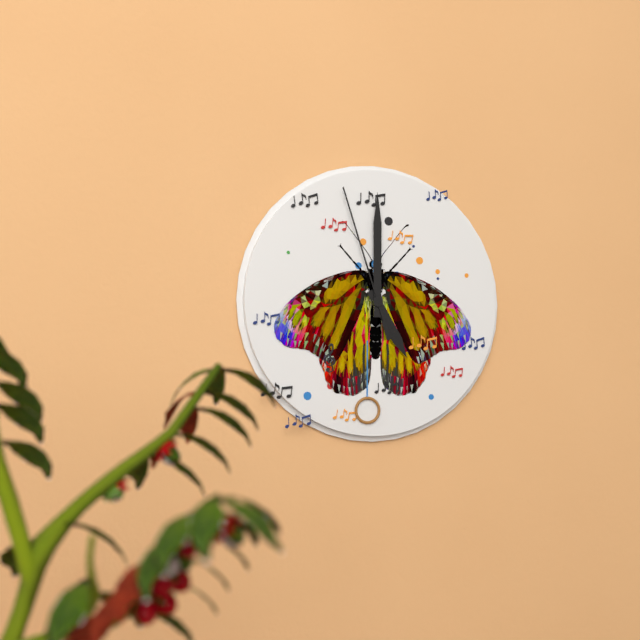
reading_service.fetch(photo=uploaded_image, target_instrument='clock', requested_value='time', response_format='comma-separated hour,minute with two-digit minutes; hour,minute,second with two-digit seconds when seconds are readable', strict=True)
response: 5,00,57
